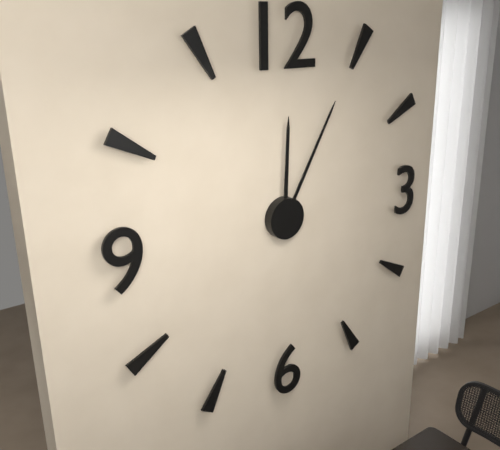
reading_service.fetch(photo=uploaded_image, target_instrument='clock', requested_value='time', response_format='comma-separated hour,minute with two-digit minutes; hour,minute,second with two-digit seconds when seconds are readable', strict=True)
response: 12,05
